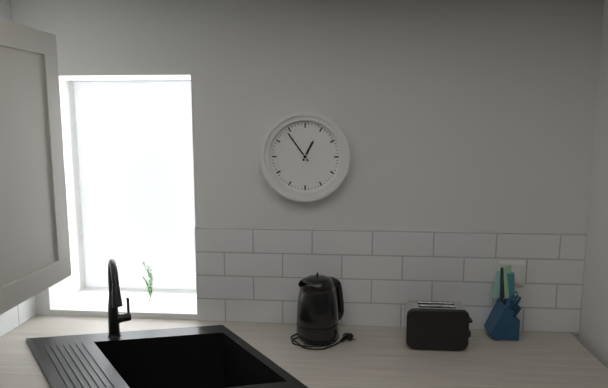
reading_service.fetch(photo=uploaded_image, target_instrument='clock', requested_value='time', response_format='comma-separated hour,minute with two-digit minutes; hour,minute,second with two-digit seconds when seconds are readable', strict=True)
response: 12,54
